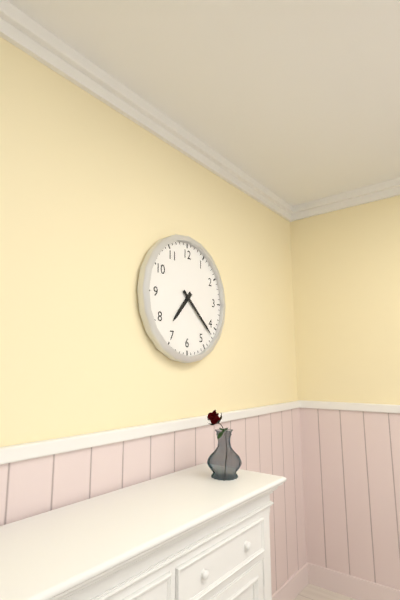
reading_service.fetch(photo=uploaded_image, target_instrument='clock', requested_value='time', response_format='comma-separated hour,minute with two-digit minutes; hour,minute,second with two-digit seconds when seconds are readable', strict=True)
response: 7,22
